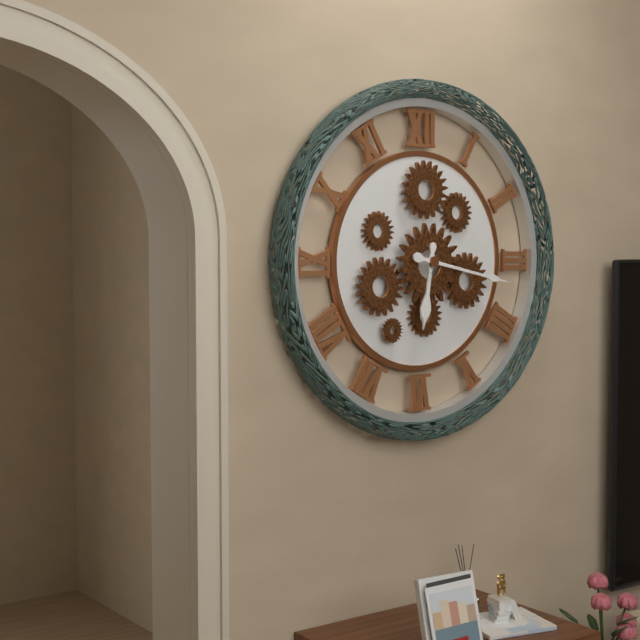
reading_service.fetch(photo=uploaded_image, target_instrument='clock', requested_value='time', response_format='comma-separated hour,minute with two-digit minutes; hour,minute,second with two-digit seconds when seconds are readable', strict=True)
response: 6,17
